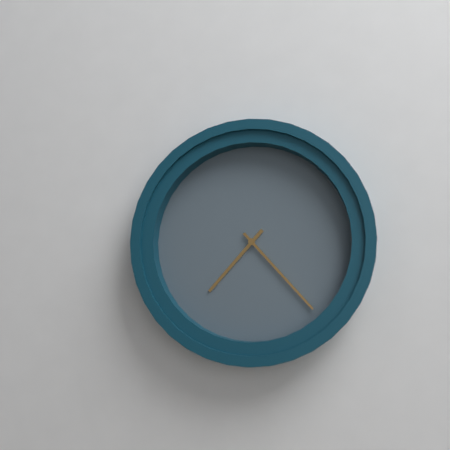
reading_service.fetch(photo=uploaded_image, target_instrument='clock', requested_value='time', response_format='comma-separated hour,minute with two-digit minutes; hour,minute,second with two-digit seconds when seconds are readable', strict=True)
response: 7,23
